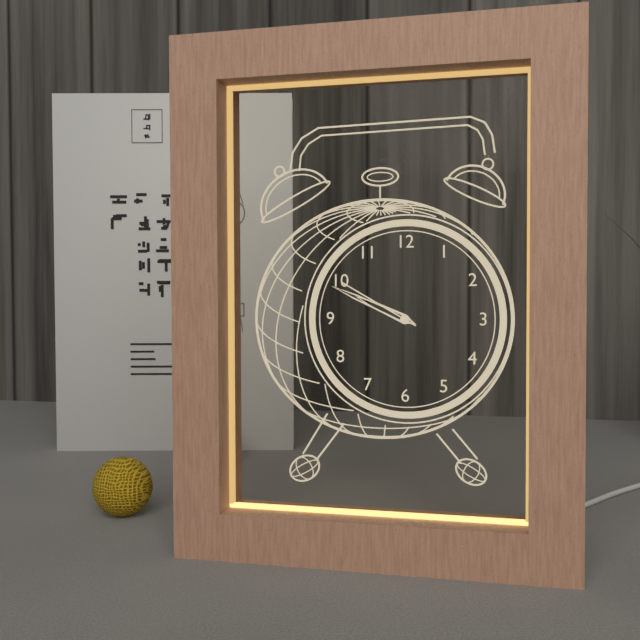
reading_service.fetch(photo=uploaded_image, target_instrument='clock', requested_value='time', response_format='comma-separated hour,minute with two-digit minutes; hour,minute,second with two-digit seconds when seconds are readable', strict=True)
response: 9,49,50
